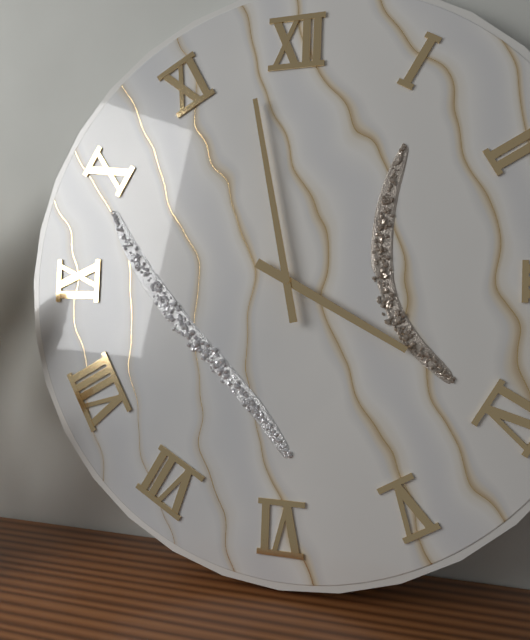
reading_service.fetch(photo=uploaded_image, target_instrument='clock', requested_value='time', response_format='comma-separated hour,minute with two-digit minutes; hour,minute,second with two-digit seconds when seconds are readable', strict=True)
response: 3,58
